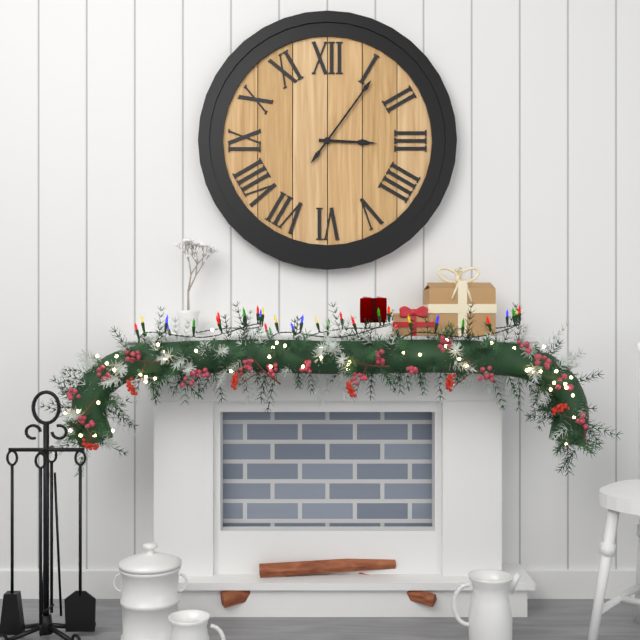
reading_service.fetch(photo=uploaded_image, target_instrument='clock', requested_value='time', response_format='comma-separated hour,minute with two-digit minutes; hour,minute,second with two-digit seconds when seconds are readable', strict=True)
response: 3,06
